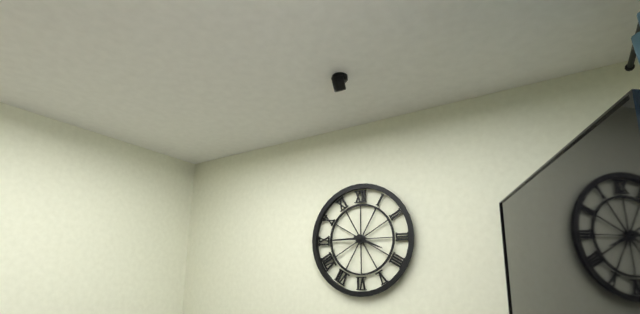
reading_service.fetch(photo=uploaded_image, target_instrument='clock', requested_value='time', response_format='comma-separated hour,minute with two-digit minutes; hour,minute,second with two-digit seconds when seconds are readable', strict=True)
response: 3,45
